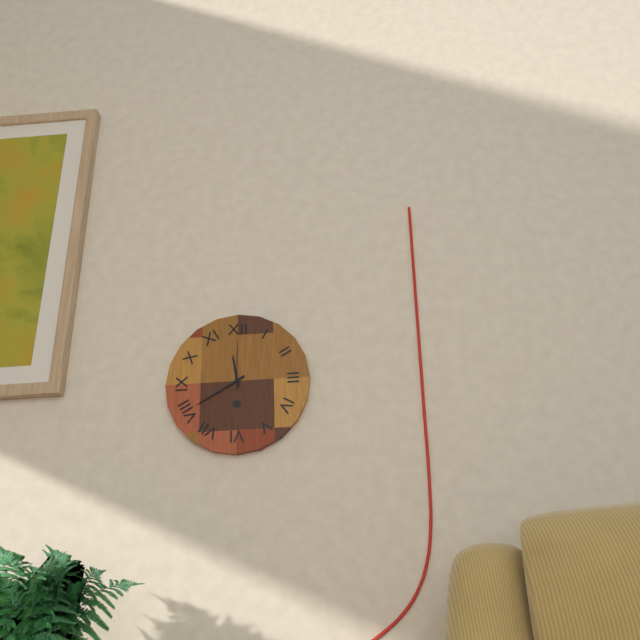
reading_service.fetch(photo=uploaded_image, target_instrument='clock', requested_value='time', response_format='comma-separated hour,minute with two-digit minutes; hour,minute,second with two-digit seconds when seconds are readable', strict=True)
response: 11,40,00
